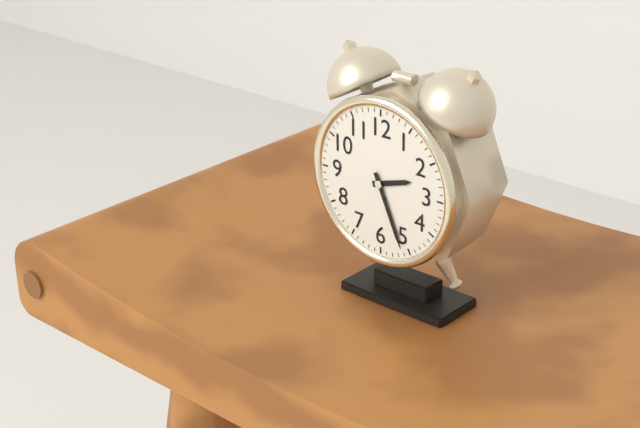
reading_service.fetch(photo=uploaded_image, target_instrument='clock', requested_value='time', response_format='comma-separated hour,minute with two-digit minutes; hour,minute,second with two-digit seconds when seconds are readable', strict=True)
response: 2,26
